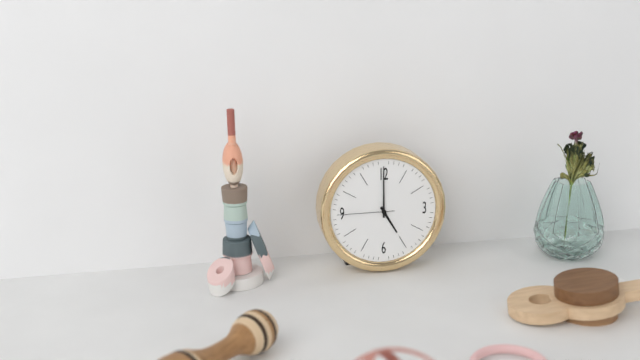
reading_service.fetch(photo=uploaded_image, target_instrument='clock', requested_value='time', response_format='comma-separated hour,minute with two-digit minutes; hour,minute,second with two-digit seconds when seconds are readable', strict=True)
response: 5,00,45
